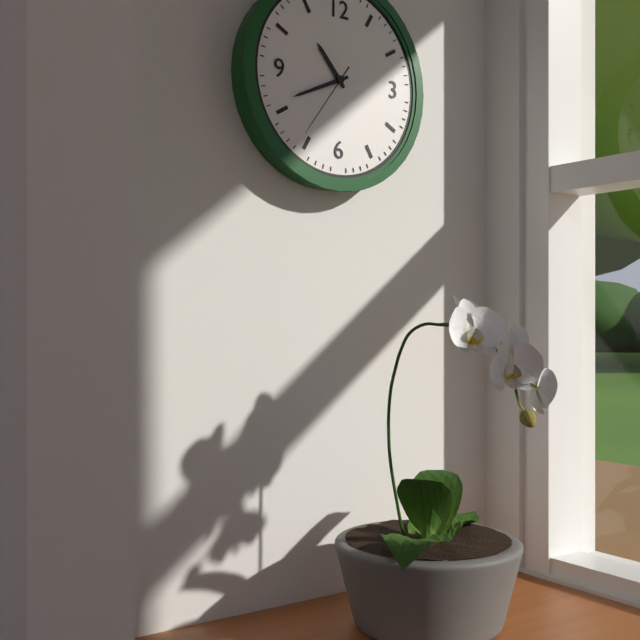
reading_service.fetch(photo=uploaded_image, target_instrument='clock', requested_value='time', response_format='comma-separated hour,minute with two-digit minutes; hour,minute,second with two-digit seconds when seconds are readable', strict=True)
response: 10,41,36
